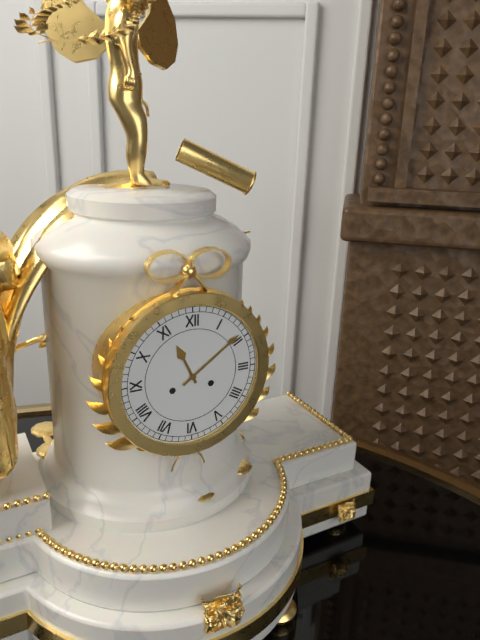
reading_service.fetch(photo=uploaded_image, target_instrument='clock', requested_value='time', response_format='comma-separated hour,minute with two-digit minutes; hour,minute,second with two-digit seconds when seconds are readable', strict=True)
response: 11,09
